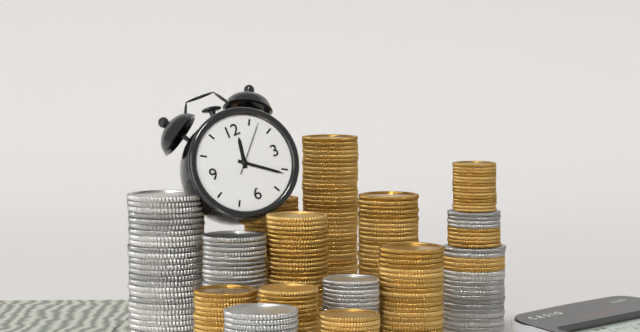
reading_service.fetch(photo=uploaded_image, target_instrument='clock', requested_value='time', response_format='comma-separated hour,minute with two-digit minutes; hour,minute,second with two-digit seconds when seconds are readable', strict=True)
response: 12,21,07
